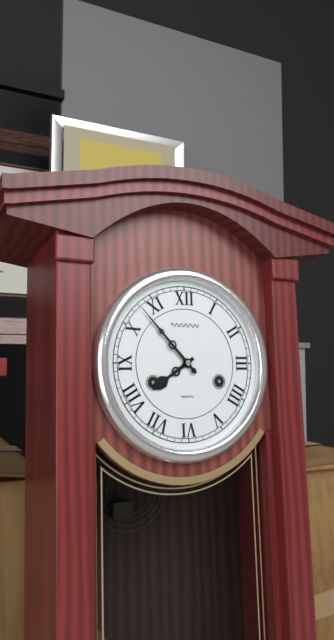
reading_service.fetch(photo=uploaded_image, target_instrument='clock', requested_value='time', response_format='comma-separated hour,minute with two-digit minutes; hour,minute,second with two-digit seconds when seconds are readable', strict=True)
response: 7,53
